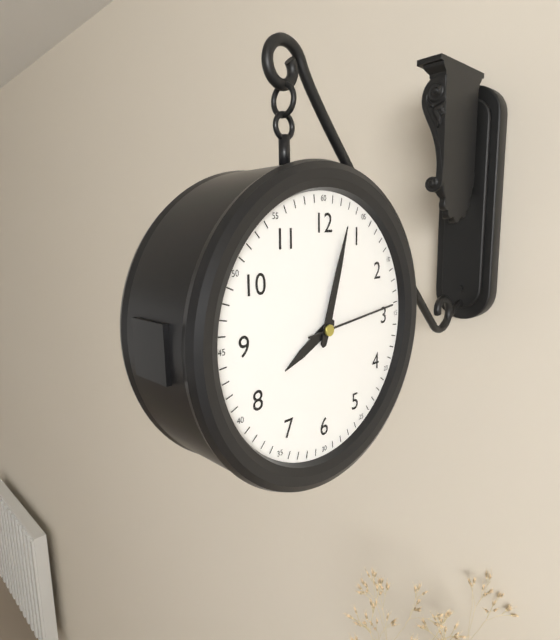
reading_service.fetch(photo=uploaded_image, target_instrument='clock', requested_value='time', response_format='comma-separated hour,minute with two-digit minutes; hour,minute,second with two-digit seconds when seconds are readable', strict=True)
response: 8,03,14
